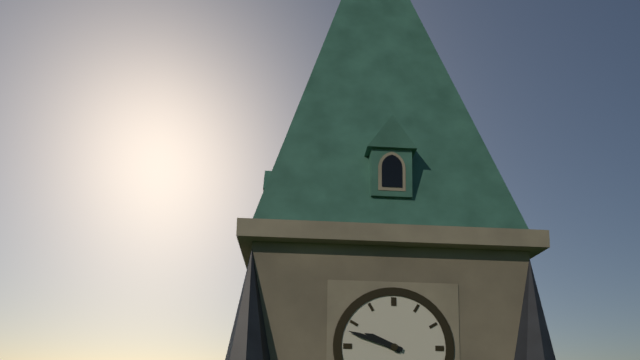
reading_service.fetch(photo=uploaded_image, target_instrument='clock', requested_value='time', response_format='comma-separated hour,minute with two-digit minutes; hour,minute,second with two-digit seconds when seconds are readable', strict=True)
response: 9,48
